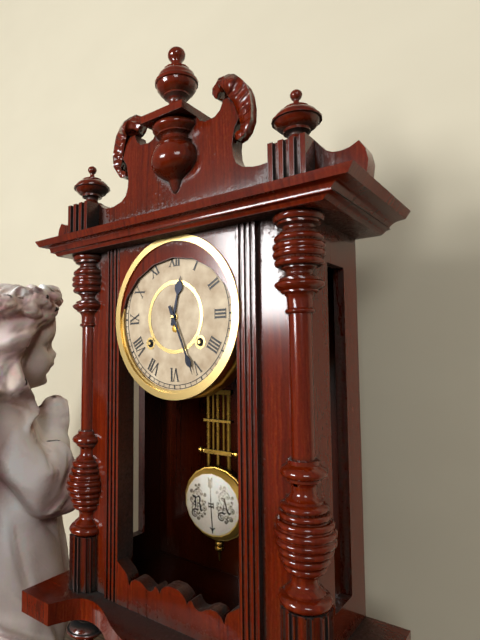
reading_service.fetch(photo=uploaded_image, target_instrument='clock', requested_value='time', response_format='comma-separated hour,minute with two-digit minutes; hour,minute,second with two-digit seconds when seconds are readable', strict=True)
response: 12,26
